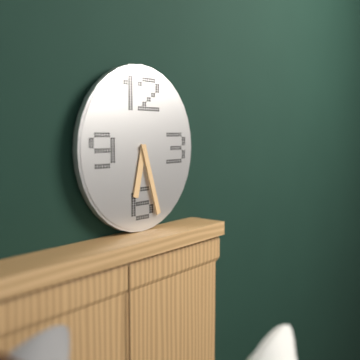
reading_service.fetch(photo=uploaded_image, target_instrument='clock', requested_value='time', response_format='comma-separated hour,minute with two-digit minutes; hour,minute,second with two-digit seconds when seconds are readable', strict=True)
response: 6,27
